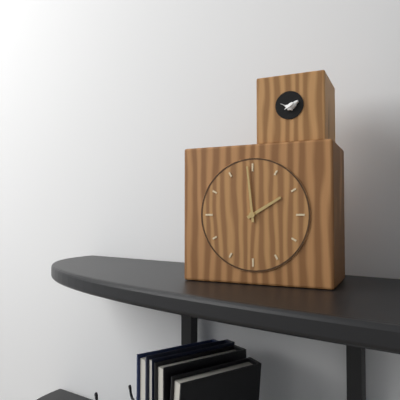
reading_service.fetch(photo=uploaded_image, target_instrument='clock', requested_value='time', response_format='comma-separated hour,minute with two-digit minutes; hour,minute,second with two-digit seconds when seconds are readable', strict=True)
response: 1,59
